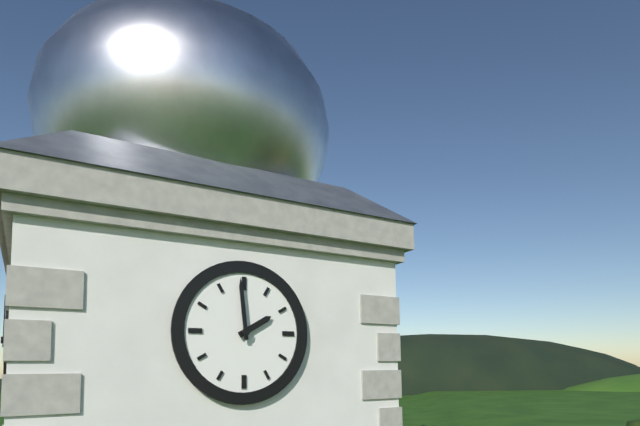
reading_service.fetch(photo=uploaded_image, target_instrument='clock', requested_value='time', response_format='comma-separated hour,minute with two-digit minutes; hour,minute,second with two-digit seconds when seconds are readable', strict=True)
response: 1,59
